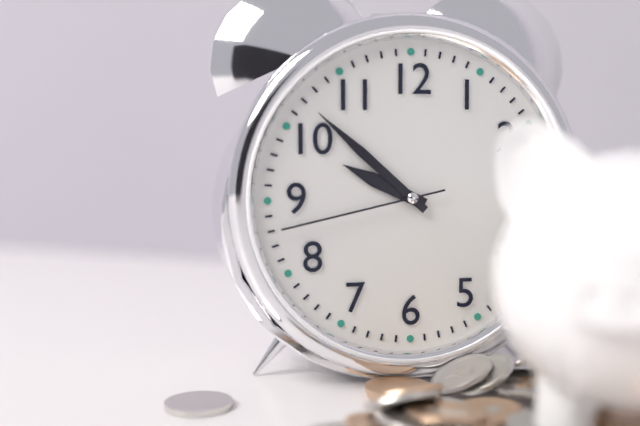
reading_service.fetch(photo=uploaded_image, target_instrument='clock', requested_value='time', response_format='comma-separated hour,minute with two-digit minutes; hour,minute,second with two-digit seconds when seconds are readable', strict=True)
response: 9,52,43
